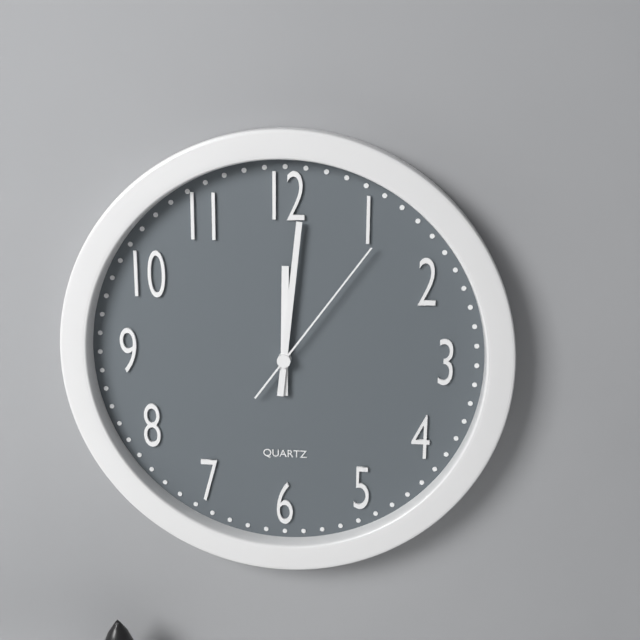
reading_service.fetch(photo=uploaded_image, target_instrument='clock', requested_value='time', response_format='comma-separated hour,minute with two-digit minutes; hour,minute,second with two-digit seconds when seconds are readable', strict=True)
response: 12,01,06
